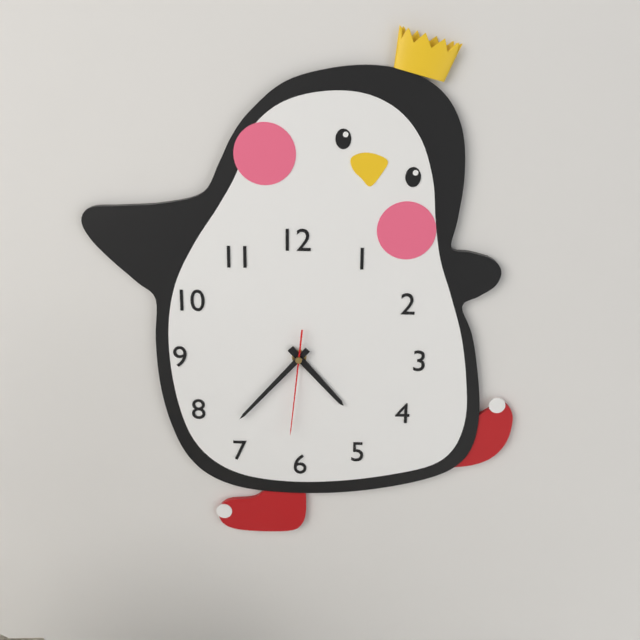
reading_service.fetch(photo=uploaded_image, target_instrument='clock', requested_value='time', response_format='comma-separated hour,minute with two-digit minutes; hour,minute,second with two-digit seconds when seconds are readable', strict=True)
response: 4,37,31
